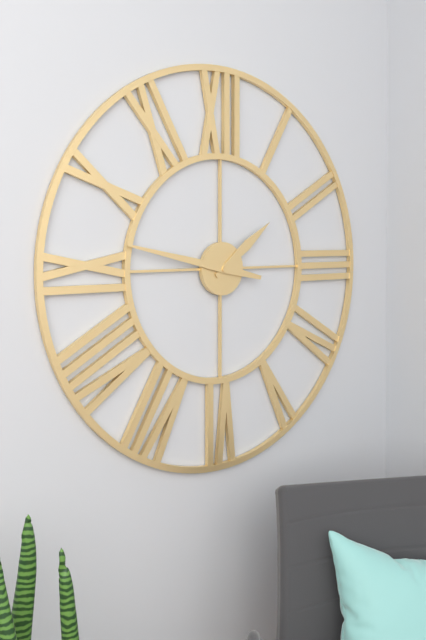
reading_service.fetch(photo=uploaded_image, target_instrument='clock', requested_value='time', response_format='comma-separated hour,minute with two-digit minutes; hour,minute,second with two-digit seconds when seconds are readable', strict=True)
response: 1,47
